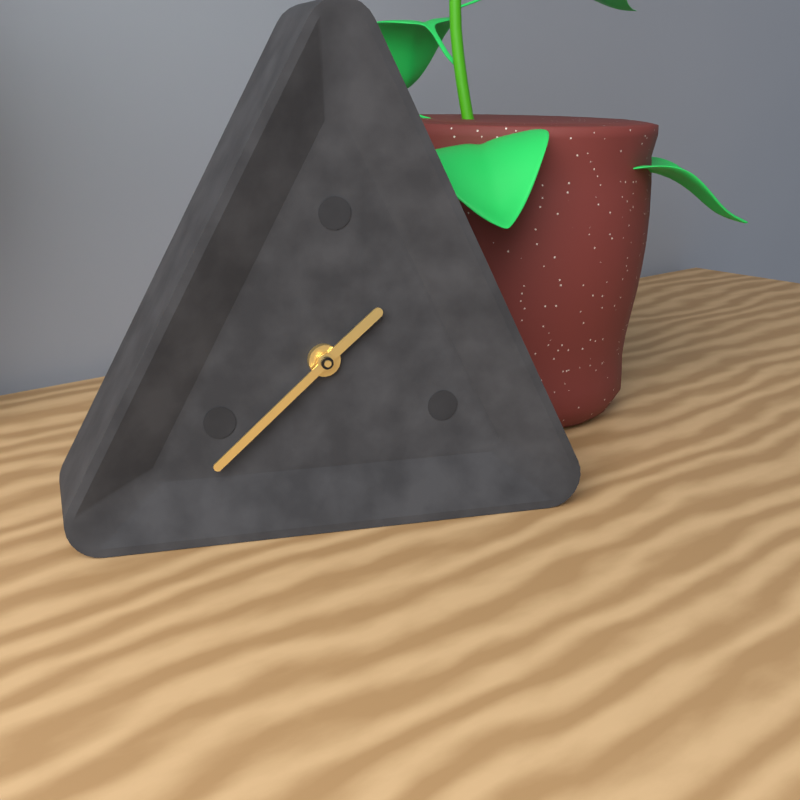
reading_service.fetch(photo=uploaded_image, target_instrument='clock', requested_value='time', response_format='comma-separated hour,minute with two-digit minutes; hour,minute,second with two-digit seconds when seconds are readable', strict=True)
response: 1,38
